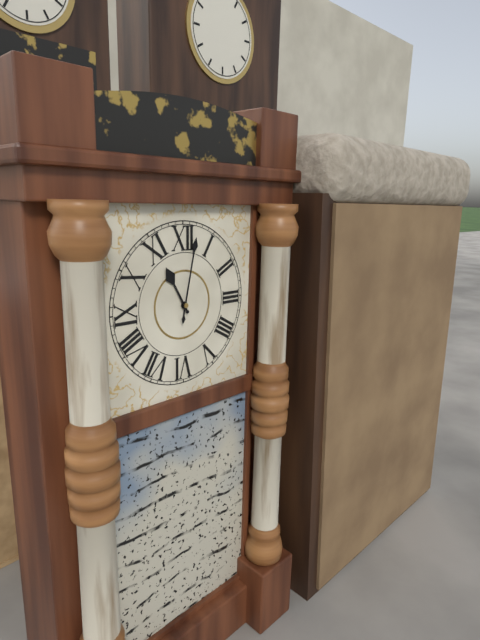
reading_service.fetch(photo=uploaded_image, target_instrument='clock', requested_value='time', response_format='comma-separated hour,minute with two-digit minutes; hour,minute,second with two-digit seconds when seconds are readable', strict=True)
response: 11,02
